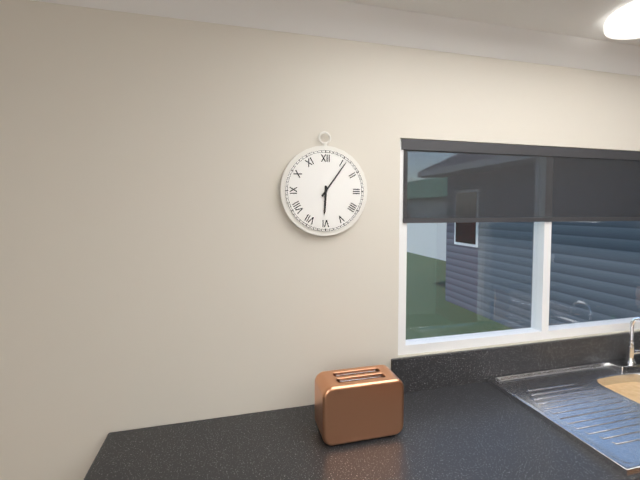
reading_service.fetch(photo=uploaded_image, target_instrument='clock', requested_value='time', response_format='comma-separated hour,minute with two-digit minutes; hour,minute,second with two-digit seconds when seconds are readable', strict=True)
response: 6,06
